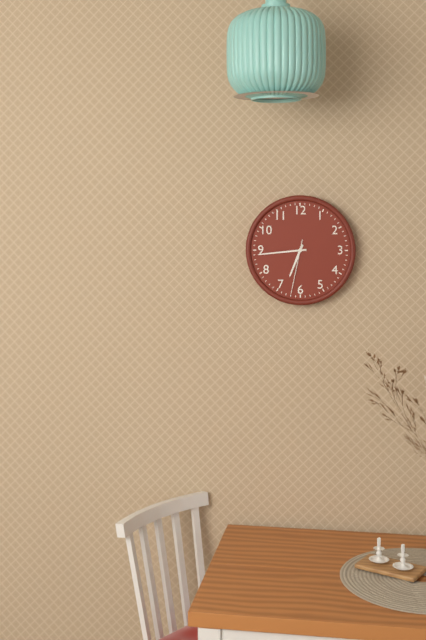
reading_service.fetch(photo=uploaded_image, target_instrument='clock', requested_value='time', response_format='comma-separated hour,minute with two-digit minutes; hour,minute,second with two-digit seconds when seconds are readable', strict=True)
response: 6,44,32
